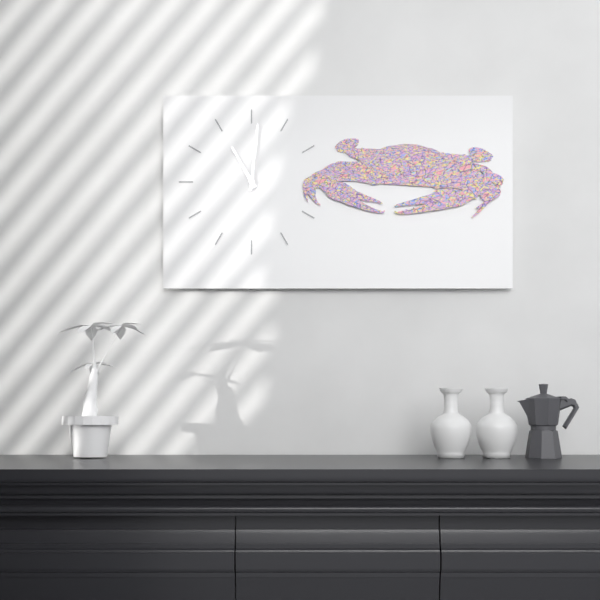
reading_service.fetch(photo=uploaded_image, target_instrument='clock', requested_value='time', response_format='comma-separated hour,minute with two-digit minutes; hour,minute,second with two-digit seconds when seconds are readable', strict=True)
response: 11,01
